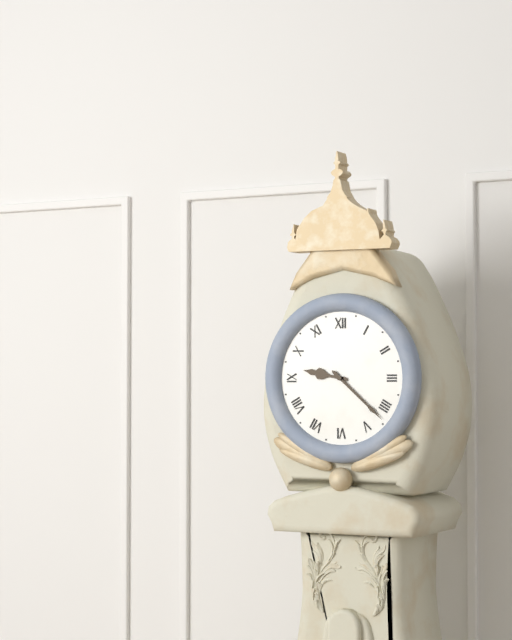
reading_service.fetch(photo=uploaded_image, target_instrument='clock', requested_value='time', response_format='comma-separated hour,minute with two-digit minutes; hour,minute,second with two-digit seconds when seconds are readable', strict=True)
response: 9,22
